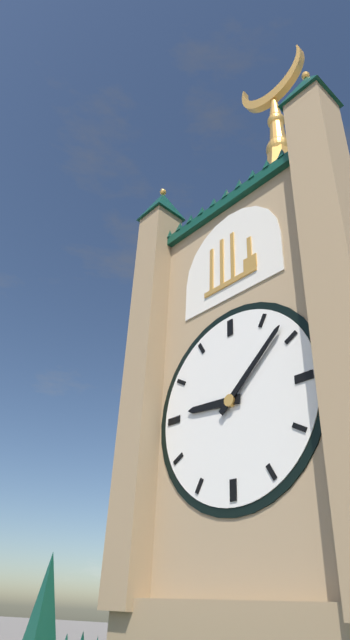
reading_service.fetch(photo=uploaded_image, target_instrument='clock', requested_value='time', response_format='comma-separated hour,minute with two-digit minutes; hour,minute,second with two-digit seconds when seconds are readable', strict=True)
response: 9,08
